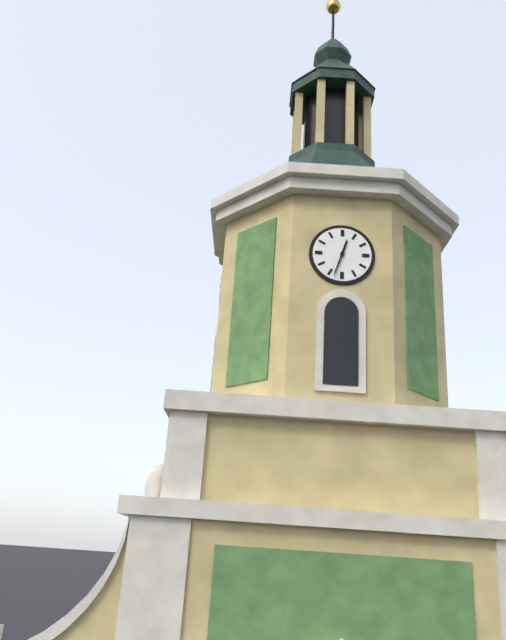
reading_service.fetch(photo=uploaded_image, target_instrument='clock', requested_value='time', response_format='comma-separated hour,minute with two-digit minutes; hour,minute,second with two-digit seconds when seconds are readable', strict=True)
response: 12,33
